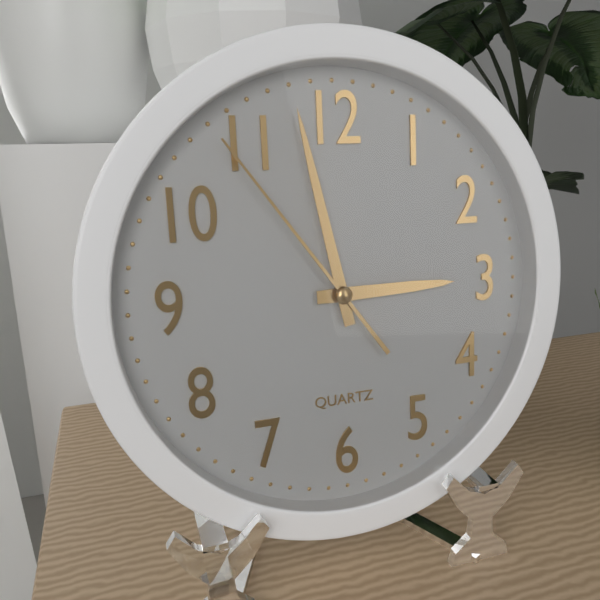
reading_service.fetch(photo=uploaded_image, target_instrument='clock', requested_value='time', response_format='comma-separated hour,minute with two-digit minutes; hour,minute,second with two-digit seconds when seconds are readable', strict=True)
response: 2,58,54
